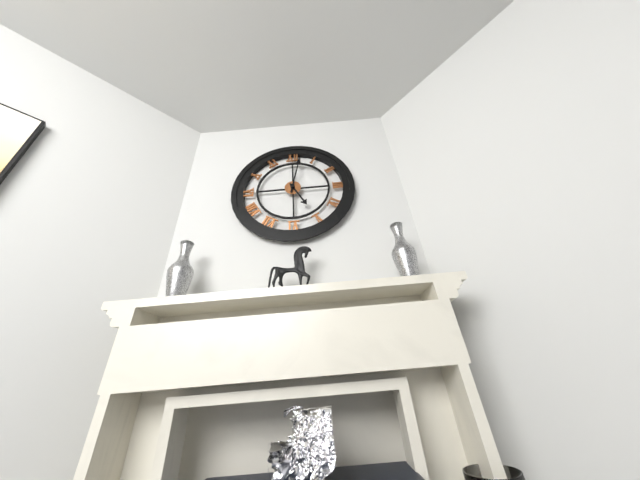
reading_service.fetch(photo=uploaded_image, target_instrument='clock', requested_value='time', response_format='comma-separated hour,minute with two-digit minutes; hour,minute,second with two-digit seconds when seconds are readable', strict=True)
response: 5,02
